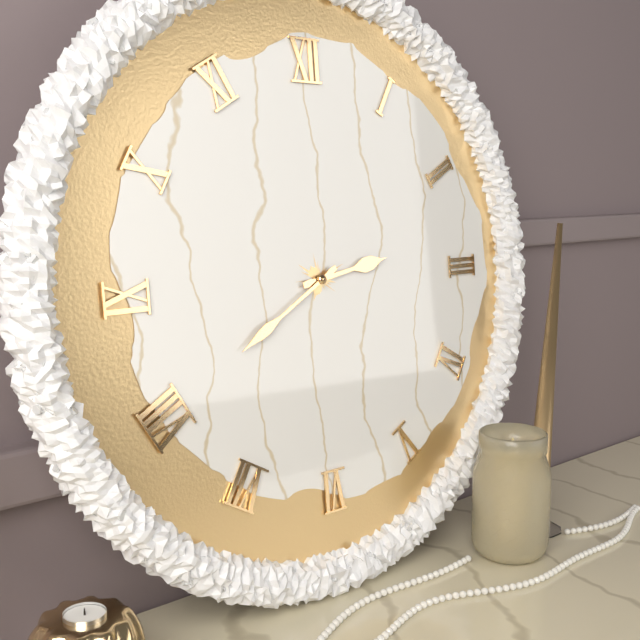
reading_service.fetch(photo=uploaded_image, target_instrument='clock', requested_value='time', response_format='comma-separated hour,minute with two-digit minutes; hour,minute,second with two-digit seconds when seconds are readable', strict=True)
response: 2,40
